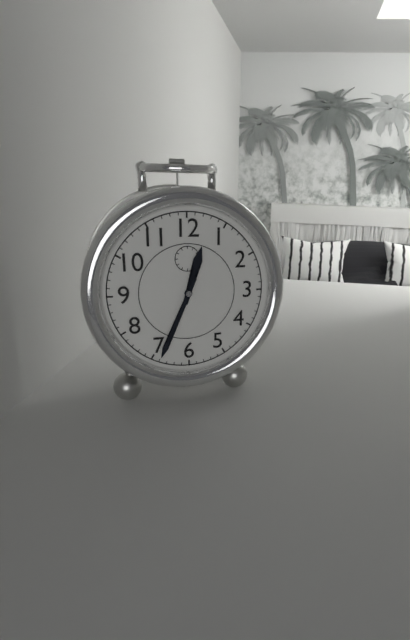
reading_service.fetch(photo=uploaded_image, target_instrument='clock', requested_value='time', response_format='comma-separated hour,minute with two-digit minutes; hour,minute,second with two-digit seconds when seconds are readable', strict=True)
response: 12,34
